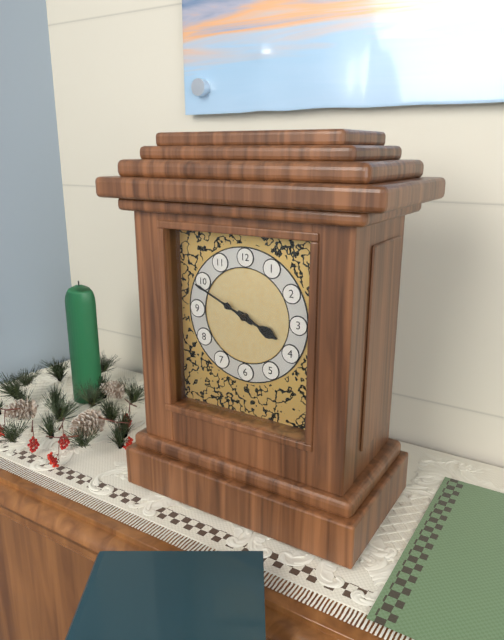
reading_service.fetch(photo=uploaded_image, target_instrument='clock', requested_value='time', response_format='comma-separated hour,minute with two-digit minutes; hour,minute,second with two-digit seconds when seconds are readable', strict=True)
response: 3,49
